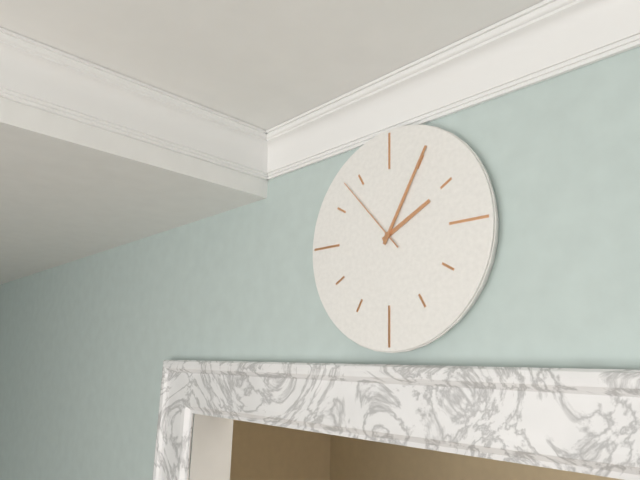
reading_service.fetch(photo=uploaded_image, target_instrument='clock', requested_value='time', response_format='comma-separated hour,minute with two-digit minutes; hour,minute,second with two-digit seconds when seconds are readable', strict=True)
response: 2,05,53
